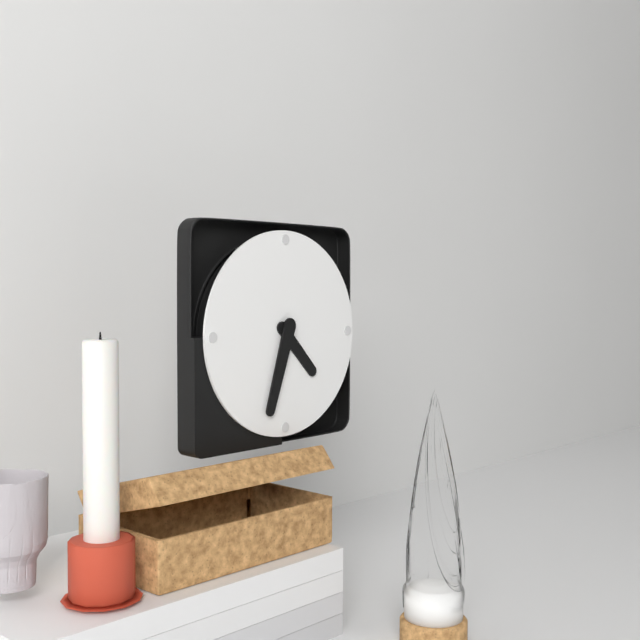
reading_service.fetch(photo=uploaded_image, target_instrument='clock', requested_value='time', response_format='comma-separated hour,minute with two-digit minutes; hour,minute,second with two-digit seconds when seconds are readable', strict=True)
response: 4,33
